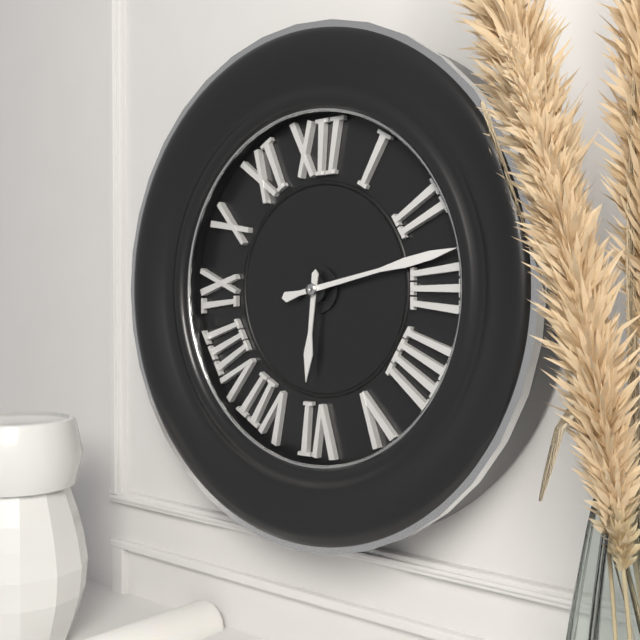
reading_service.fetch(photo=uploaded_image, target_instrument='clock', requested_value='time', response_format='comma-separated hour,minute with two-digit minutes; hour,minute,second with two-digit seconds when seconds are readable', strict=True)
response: 6,13
